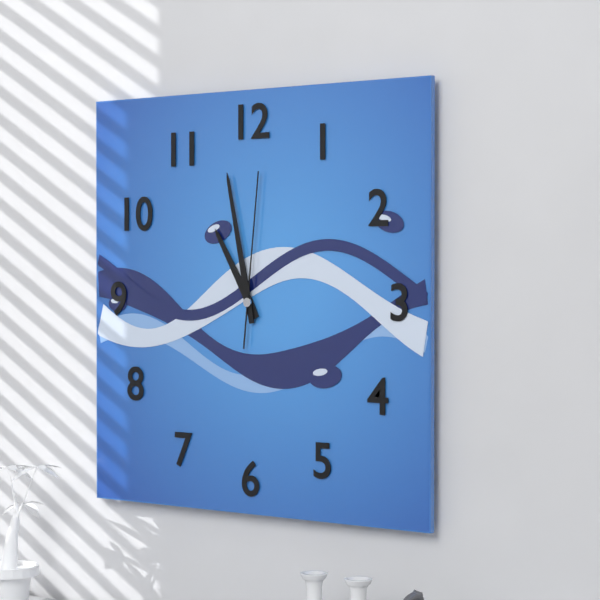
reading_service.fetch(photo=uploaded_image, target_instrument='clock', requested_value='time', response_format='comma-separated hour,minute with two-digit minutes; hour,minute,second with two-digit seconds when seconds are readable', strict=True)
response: 10,58,01
